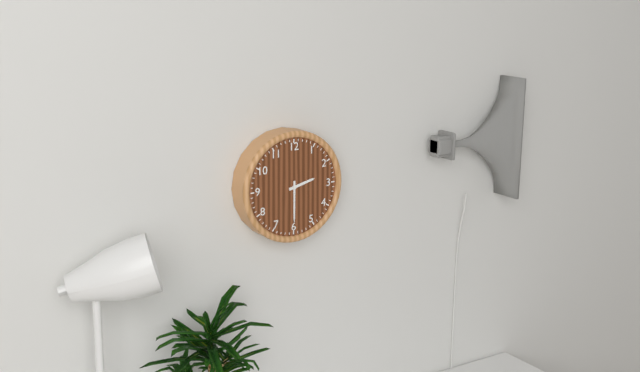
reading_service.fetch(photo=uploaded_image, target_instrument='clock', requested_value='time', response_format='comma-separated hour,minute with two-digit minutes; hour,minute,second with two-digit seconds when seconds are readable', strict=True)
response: 2,30
